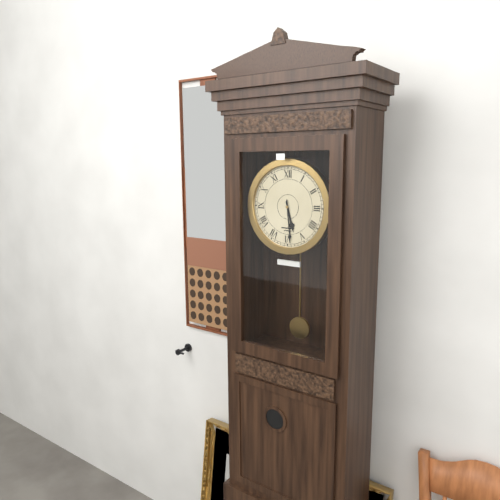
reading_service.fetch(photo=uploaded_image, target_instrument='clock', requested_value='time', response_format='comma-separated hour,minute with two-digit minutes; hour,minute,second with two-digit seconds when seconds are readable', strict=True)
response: 5,29
